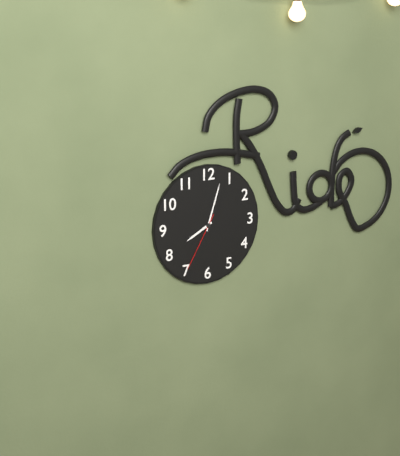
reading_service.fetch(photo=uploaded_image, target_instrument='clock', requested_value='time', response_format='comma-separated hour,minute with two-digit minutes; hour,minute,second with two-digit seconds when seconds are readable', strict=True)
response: 8,03,35
